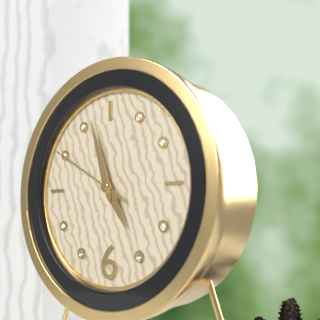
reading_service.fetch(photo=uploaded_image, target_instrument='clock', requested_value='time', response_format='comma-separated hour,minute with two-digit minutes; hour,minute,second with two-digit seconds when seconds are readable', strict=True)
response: 4,57,50
